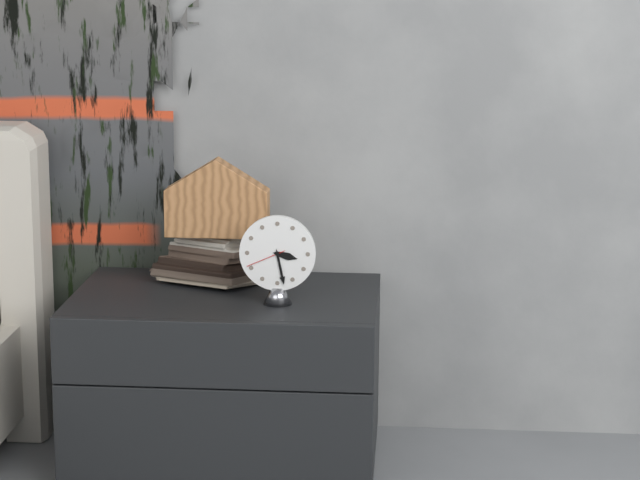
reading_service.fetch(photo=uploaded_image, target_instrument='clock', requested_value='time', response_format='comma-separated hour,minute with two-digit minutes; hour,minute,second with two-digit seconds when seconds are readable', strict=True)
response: 3,28
